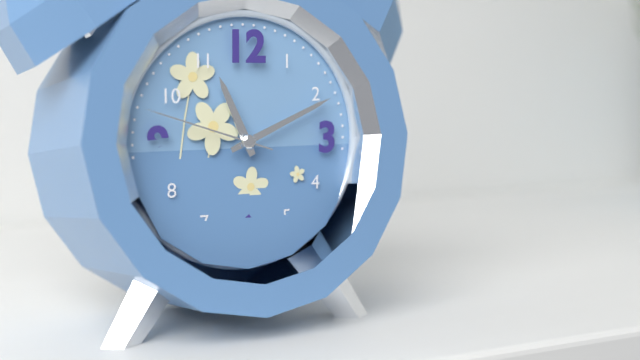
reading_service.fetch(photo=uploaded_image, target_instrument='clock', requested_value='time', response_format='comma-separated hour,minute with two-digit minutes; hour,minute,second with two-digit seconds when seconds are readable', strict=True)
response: 11,11,48
